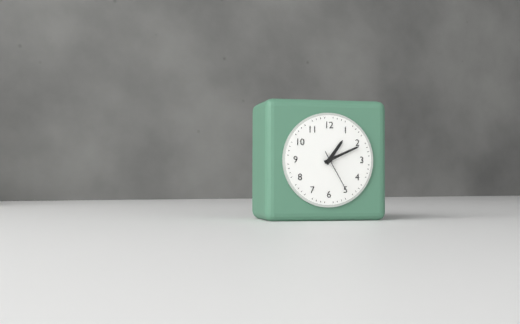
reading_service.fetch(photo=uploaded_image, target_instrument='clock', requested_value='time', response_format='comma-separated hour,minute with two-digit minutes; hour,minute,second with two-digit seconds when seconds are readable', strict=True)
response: 1,11
